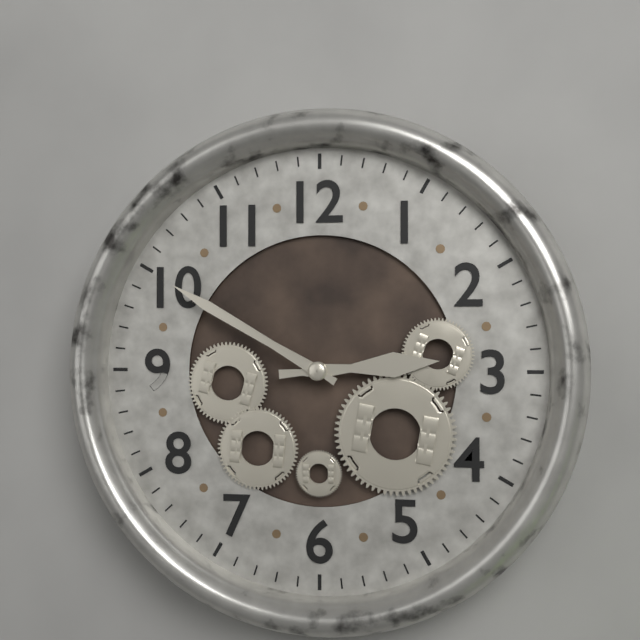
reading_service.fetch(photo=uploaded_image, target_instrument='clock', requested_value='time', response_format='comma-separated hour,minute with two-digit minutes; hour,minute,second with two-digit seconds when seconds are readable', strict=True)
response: 2,50
